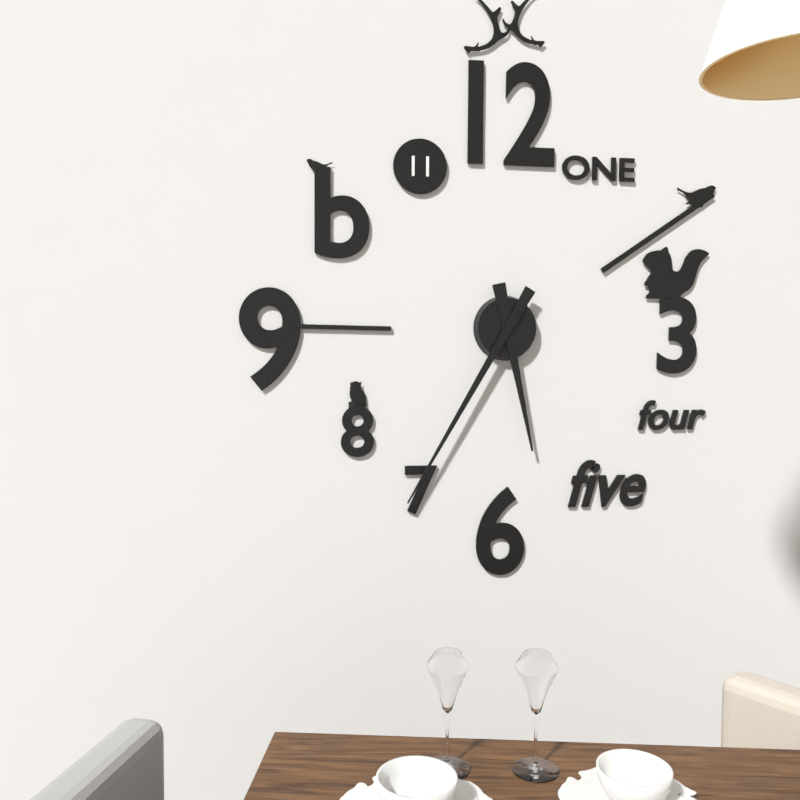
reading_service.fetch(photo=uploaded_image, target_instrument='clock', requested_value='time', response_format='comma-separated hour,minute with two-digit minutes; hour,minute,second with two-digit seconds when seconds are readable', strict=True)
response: 5,35
